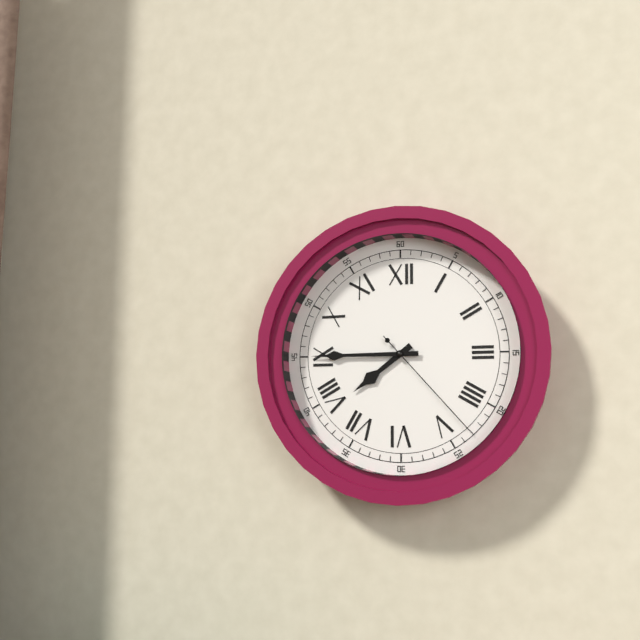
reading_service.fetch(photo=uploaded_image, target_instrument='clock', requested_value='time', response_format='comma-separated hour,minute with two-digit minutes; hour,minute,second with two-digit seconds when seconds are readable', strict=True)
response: 7,45,23
